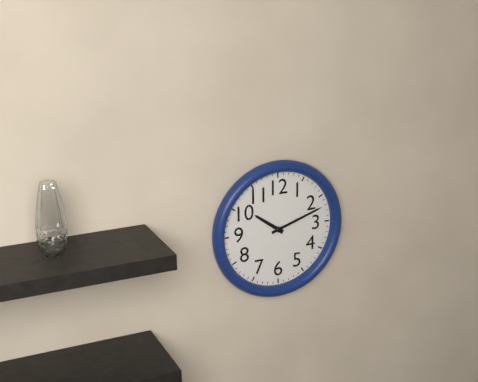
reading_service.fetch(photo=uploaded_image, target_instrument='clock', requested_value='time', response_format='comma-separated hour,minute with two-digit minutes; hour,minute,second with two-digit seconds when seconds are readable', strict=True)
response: 10,12
